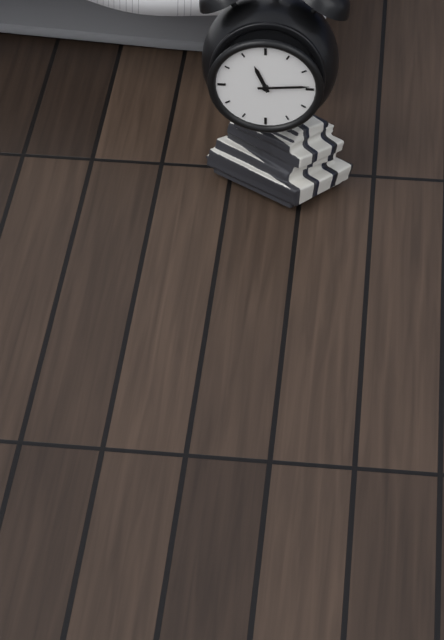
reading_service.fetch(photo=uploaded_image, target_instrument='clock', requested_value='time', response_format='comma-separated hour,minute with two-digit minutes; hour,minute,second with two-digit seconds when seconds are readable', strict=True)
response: 11,14
